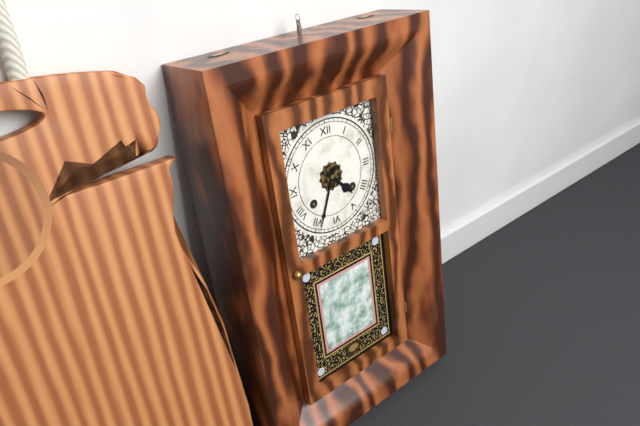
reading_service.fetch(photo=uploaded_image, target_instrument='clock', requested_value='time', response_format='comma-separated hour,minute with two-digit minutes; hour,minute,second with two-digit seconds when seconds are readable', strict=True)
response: 4,34
